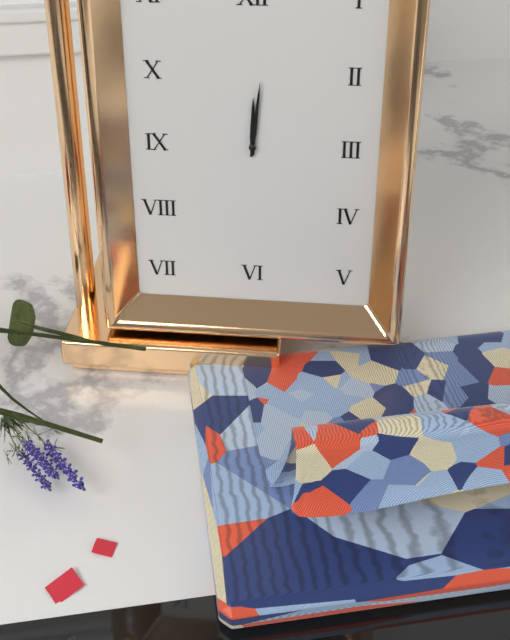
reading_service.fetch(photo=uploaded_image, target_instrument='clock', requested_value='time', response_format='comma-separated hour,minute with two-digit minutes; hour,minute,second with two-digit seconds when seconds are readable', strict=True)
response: 12,01
